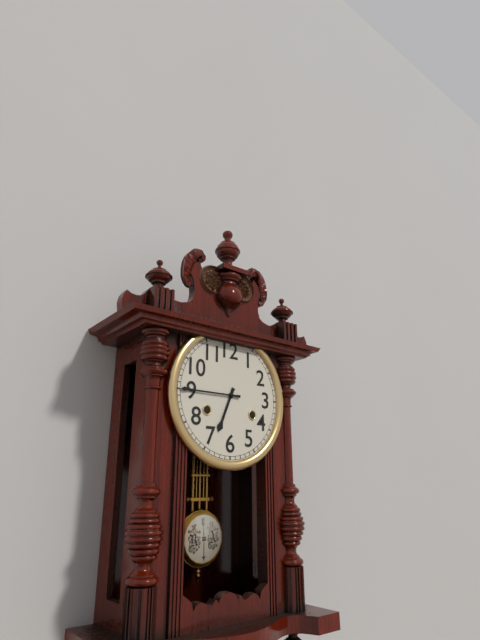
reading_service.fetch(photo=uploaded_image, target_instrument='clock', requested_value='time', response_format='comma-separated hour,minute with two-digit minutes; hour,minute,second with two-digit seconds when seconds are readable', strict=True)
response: 6,45
